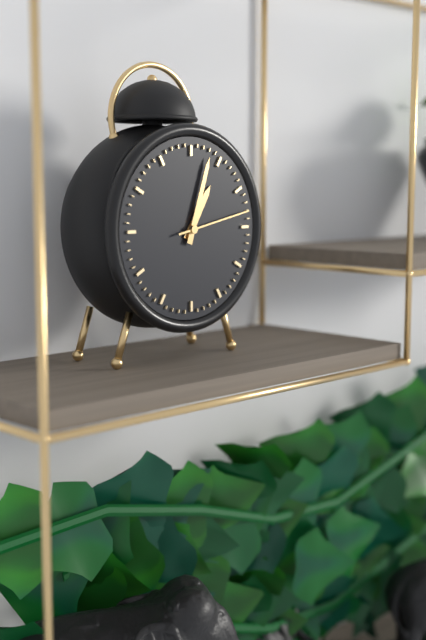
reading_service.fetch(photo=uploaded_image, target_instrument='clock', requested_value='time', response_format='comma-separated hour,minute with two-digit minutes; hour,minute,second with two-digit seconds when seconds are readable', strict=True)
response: 1,03,13
